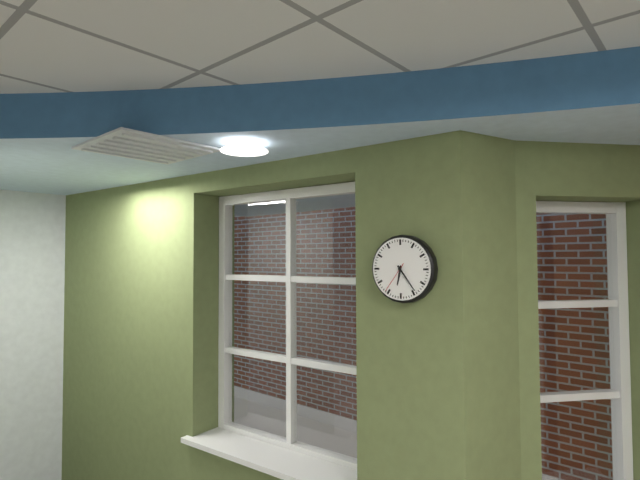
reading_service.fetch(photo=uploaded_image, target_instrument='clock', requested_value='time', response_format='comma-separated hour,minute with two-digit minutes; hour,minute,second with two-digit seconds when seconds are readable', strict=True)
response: 6,24
